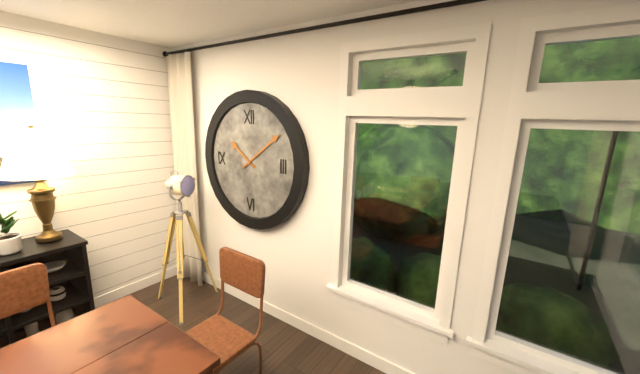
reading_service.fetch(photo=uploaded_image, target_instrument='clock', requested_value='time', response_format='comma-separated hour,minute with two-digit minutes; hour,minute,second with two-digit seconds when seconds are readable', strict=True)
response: 10,09
